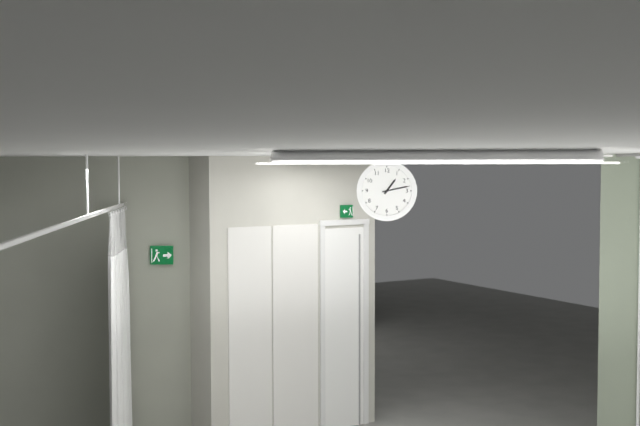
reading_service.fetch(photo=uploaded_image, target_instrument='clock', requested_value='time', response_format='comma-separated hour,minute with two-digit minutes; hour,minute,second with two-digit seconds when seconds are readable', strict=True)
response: 1,13
